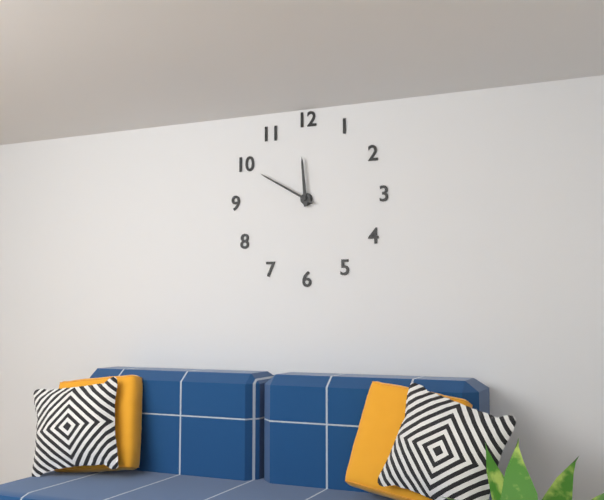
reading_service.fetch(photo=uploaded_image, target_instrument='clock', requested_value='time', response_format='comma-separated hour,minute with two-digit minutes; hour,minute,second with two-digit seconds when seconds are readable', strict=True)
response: 11,50
